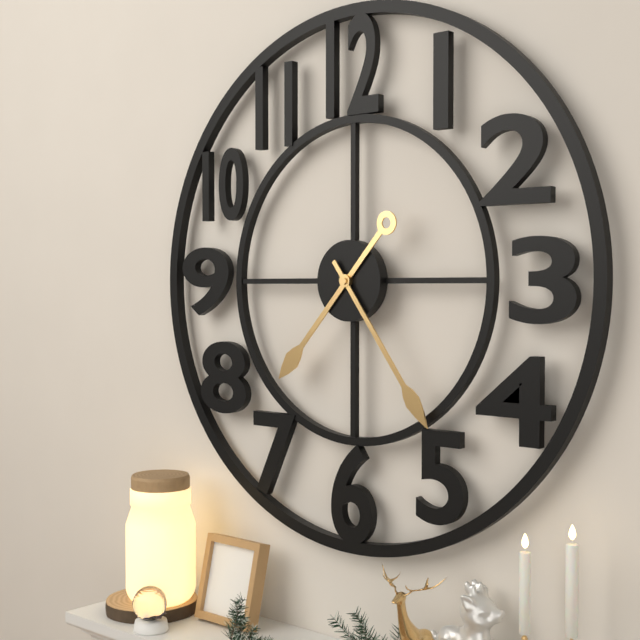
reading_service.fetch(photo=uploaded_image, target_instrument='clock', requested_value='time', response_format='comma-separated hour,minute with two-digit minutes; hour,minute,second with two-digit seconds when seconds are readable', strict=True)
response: 7,24
